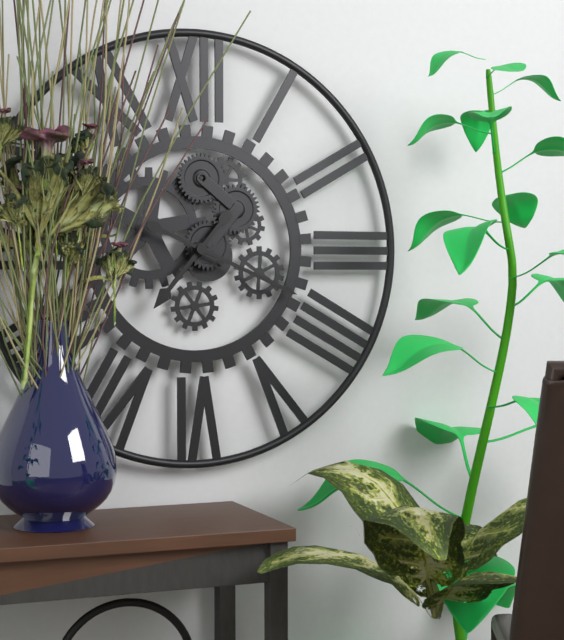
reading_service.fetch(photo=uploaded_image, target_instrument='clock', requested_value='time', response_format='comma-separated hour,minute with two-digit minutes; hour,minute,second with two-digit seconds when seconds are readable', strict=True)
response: 7,19
